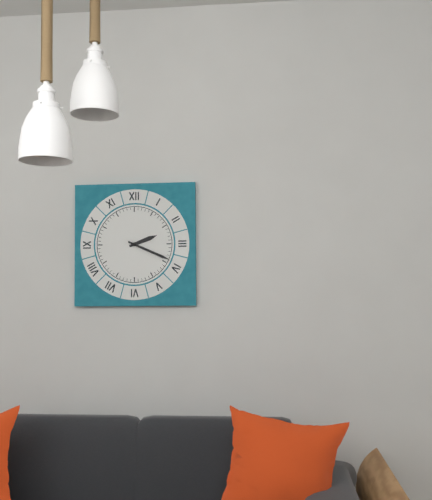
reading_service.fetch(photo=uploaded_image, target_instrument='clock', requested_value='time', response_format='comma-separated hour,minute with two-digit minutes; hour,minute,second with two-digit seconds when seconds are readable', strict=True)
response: 2,19
